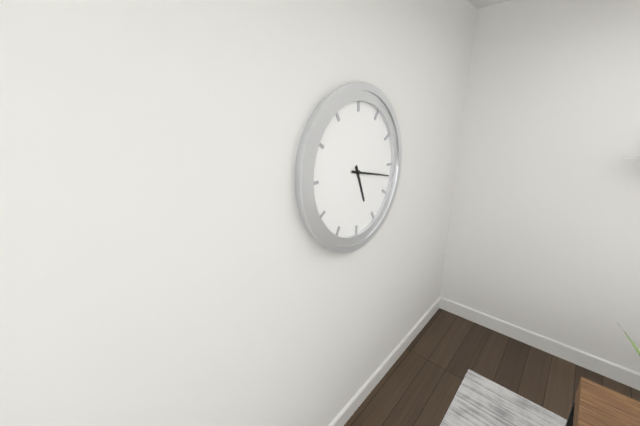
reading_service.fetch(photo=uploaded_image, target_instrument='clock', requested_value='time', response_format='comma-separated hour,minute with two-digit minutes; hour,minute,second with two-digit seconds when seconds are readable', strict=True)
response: 5,17
